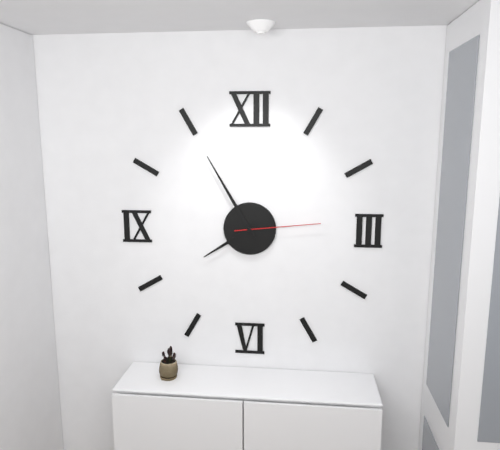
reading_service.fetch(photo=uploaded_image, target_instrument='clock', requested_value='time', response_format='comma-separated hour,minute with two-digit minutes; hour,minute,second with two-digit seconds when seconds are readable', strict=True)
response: 7,55,14
